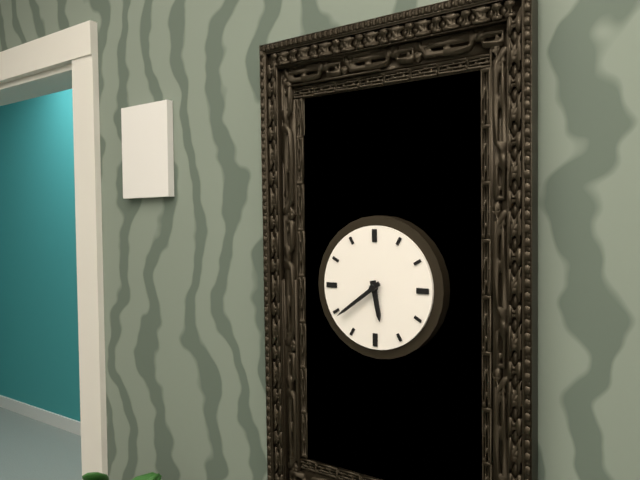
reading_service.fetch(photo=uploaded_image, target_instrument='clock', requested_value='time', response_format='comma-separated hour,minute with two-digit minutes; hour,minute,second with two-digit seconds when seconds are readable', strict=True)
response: 5,39
